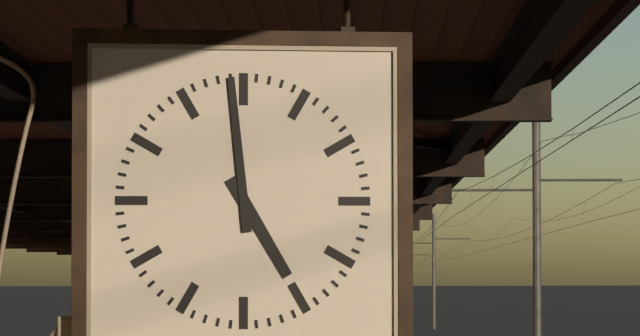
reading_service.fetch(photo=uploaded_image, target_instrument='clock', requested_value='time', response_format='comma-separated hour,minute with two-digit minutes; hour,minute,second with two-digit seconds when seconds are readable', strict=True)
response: 4,59
